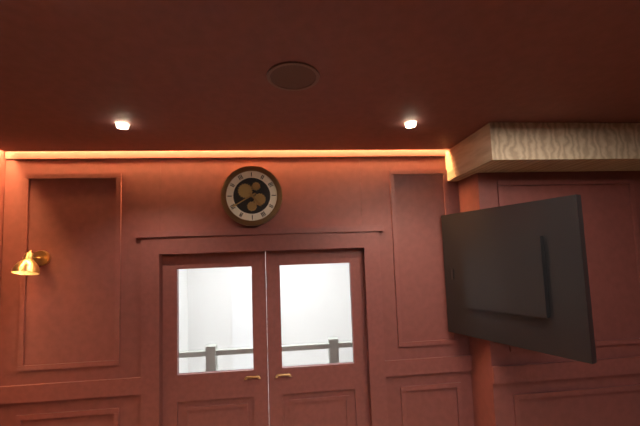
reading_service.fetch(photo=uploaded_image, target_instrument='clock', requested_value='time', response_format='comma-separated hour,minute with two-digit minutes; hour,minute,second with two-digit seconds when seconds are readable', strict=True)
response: 4,40
